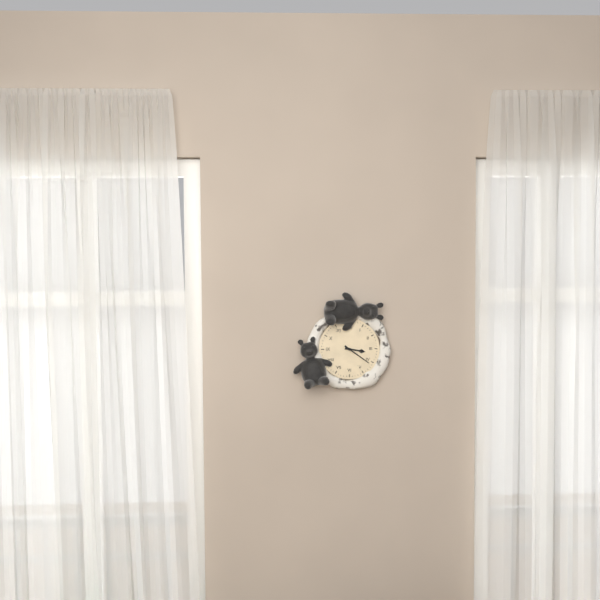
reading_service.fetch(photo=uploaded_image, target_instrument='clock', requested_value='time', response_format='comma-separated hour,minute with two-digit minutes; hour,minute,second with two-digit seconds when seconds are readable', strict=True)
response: 3,21
